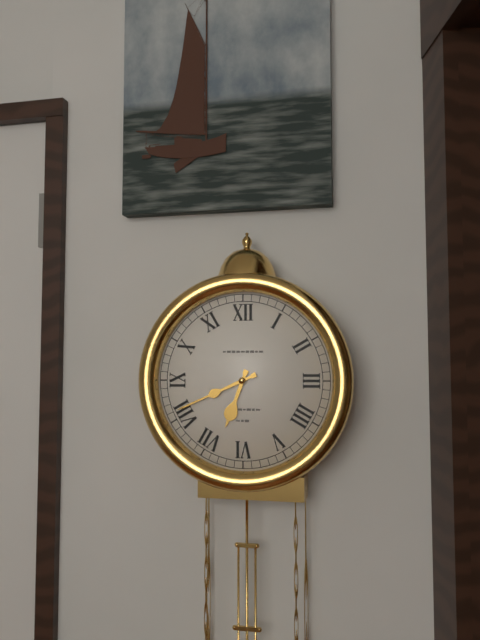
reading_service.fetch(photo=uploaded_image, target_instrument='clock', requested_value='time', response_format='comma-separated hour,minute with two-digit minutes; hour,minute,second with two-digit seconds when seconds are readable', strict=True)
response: 6,41
